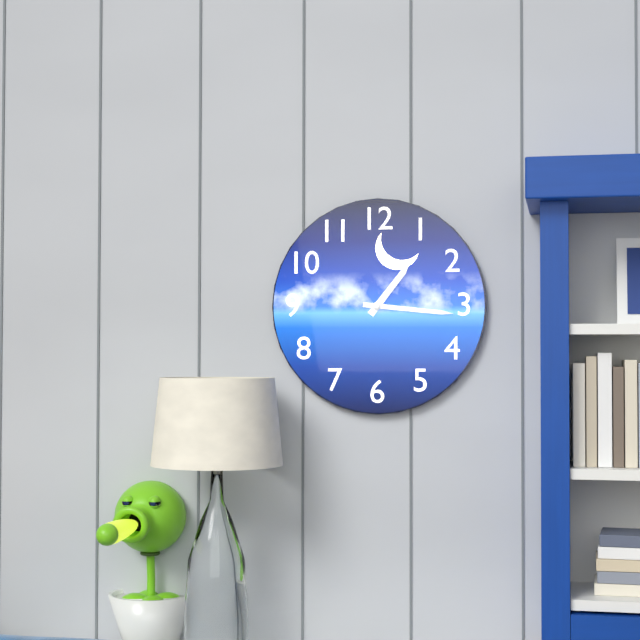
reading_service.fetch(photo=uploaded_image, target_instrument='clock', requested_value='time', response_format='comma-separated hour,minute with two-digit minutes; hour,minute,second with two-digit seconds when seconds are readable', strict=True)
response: 1,16
